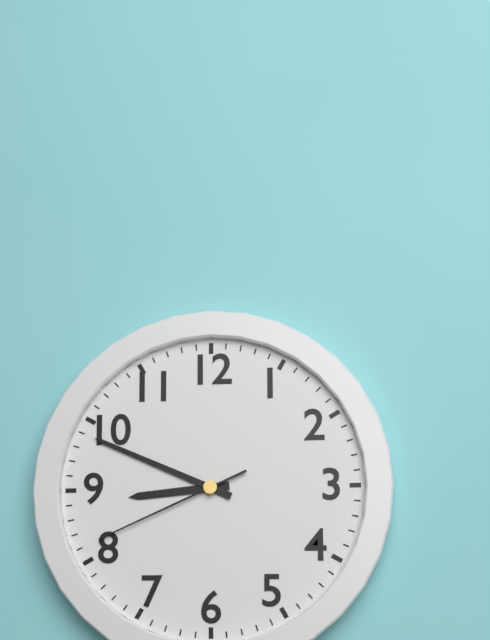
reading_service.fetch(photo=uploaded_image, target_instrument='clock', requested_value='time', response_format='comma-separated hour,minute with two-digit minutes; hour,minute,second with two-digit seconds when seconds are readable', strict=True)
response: 8,49,41
